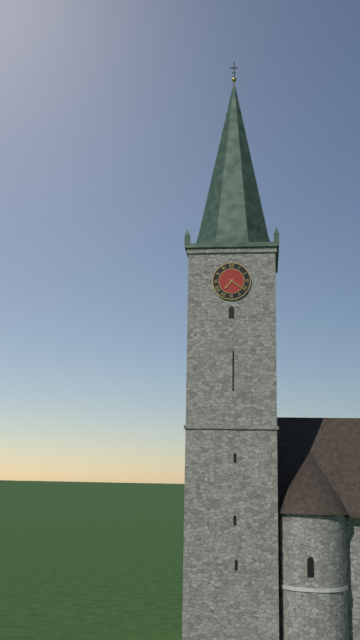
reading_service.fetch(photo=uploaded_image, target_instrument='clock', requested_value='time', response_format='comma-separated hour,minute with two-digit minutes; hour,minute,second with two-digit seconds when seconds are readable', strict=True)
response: 7,21
